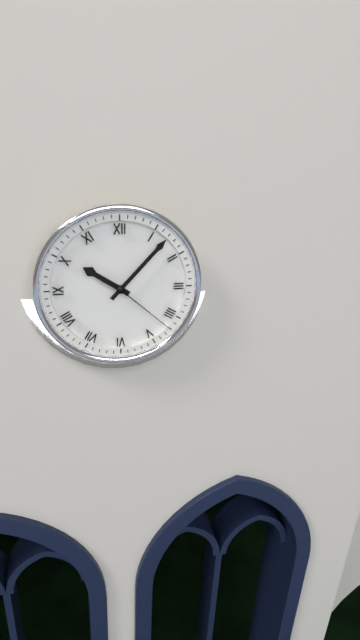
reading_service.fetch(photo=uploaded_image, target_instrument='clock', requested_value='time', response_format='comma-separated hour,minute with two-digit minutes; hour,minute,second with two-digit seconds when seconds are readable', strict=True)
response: 10,07,22
